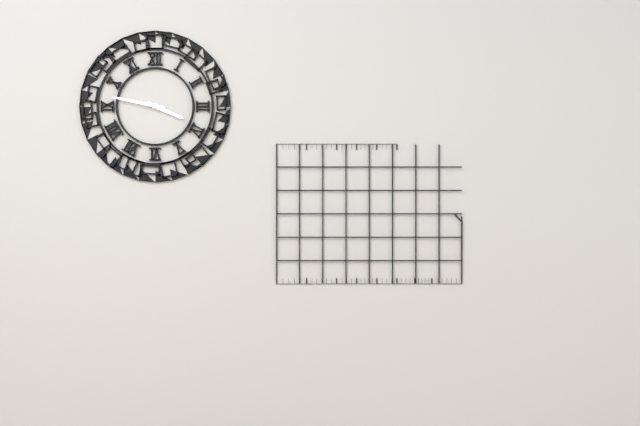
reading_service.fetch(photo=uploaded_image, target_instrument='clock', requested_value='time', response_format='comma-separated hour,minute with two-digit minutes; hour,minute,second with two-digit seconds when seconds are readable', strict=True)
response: 3,47
